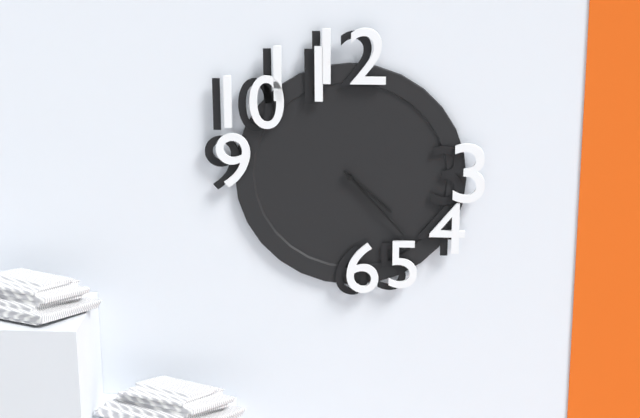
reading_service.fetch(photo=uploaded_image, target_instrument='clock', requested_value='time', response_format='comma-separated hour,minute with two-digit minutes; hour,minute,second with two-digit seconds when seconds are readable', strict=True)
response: 4,23
